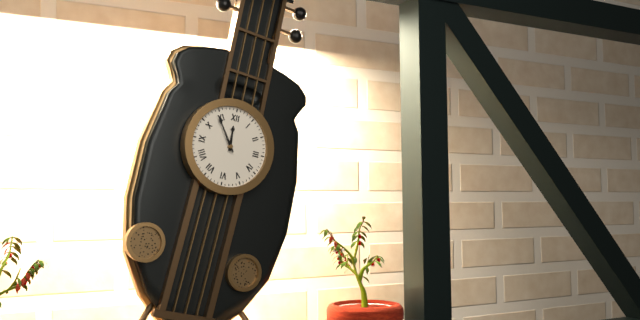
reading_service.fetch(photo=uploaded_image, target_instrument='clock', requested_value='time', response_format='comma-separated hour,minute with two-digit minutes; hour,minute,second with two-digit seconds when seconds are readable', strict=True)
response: 11,54
